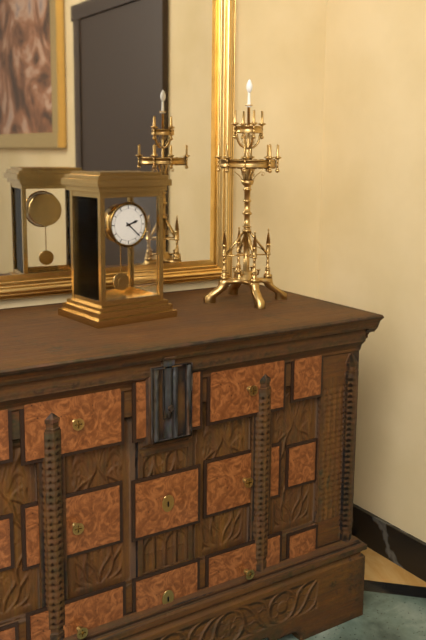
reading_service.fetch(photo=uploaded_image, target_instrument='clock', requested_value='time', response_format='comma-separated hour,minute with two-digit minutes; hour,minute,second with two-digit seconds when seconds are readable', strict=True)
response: 2,22
